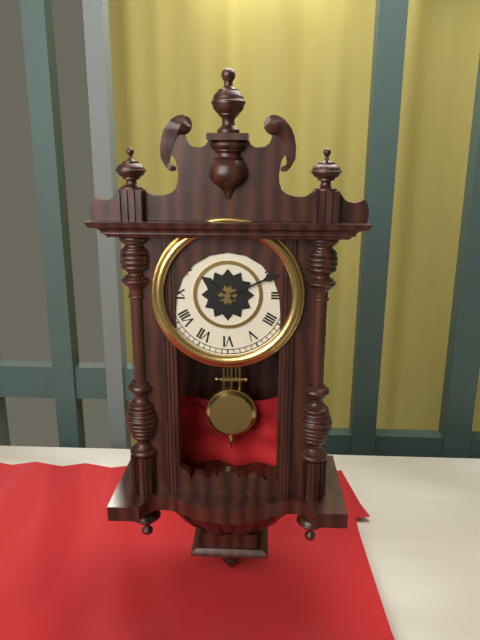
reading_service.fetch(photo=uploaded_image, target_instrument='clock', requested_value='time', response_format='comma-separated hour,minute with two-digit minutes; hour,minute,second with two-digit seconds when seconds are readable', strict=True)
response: 10,11
